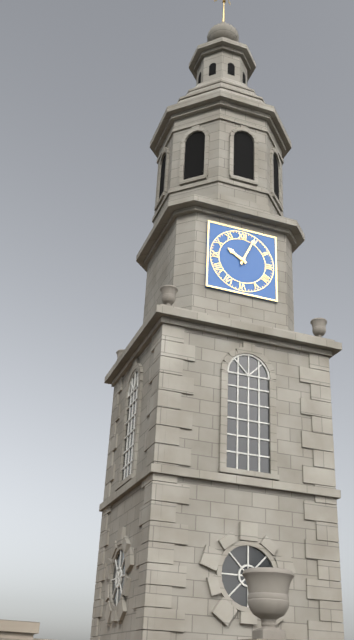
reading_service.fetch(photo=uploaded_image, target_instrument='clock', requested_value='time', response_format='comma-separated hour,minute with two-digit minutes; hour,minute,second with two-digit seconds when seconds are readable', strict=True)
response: 10,04
